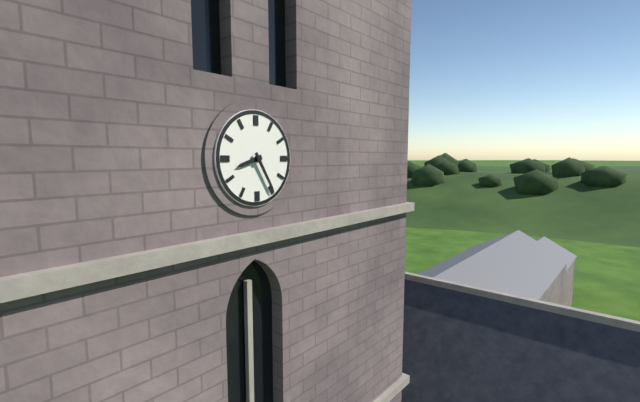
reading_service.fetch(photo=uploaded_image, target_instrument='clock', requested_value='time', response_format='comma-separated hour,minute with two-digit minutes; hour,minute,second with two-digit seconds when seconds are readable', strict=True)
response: 8,25
